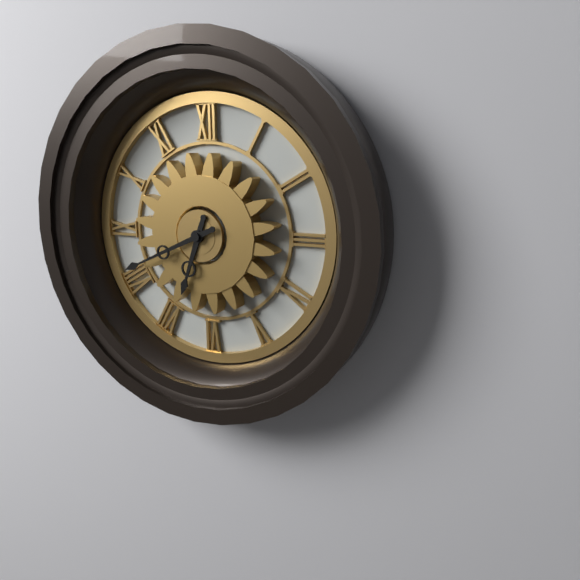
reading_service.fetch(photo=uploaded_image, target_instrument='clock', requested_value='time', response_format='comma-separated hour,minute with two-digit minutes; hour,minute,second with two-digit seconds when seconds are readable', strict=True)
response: 6,41
